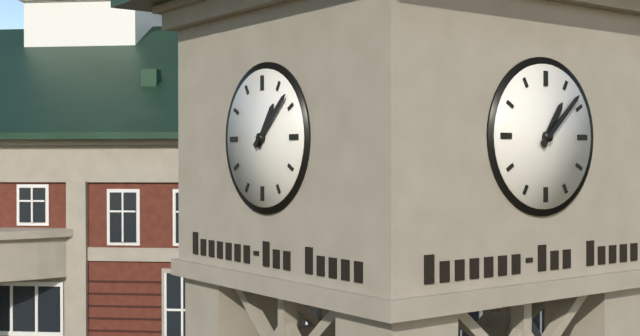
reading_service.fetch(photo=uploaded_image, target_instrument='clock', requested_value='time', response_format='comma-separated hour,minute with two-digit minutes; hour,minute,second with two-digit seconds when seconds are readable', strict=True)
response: 1,08
